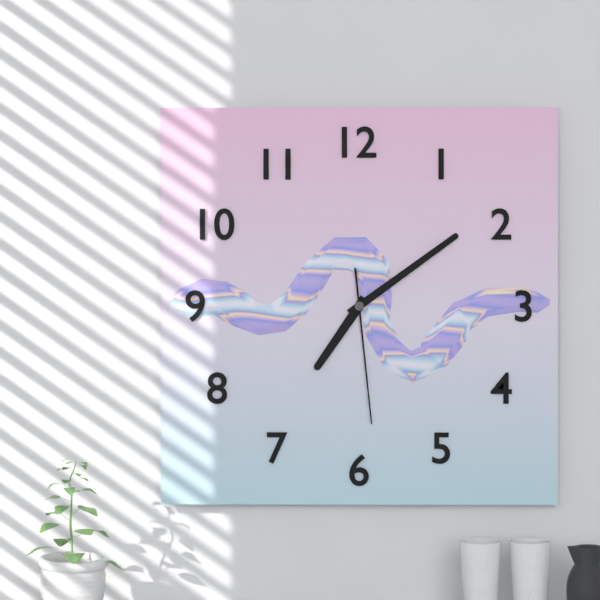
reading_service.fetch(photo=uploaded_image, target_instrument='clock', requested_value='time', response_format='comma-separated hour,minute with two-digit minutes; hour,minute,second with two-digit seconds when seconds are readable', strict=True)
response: 7,09,29
